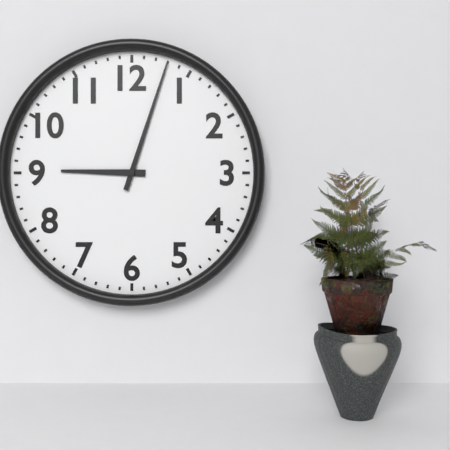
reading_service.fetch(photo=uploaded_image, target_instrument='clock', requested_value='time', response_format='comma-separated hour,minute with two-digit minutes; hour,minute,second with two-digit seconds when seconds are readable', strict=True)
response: 9,03
